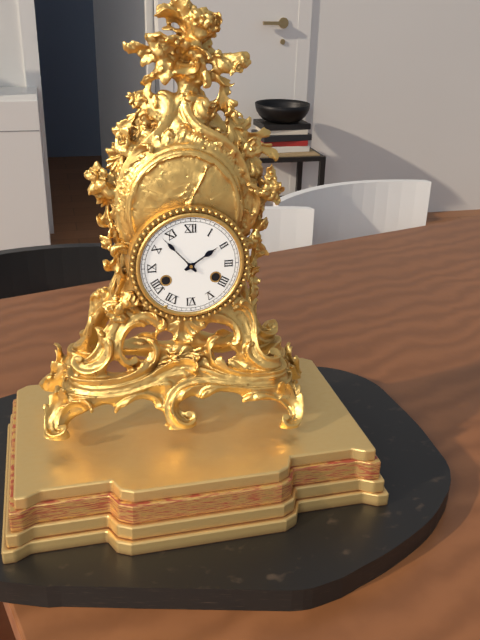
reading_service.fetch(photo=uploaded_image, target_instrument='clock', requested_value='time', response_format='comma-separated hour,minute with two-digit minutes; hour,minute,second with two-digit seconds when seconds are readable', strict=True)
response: 1,53
